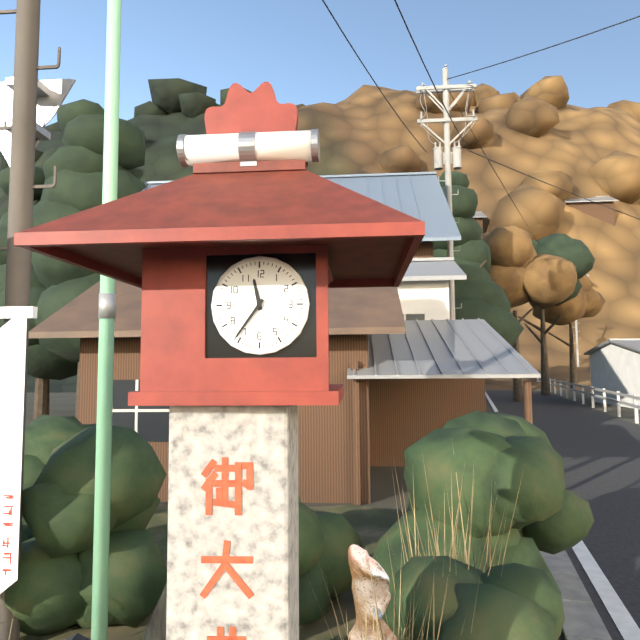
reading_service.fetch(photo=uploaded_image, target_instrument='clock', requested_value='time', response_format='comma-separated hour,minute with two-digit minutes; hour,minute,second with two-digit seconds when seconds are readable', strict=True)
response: 11,36
